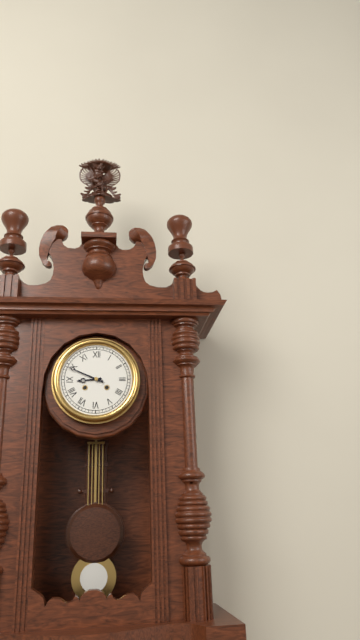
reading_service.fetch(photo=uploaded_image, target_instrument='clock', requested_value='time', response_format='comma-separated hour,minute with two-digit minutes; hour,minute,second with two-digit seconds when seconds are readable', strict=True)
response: 8,49
